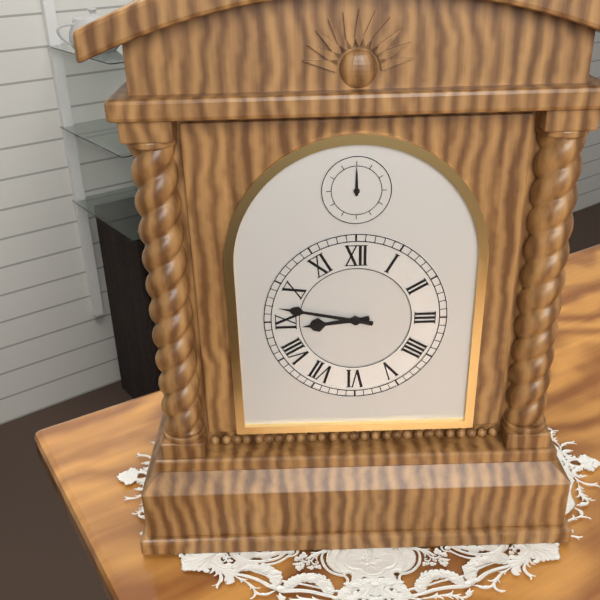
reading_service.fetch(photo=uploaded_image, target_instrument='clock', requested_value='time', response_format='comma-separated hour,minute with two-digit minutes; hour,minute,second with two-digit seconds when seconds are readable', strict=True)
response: 8,47
